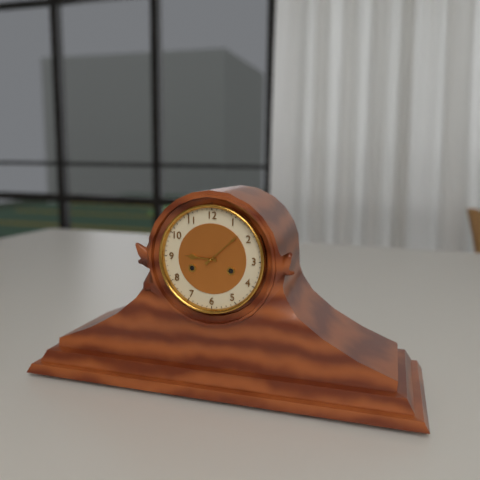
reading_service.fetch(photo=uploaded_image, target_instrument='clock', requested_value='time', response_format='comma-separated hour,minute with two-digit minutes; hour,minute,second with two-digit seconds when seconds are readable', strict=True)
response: 9,08
